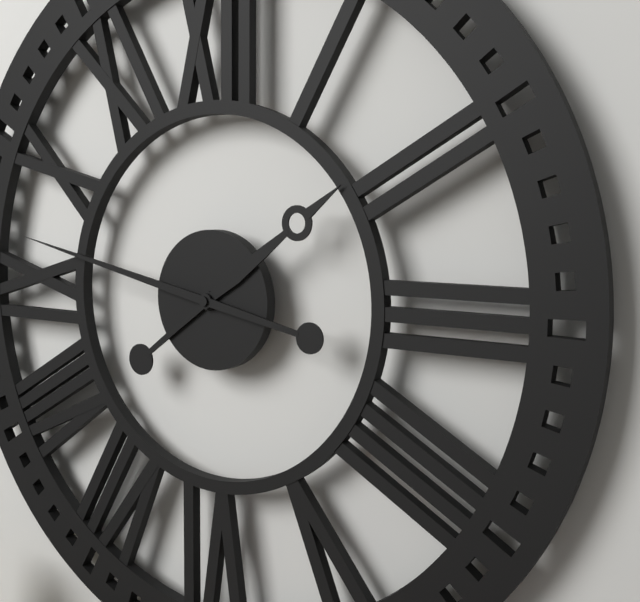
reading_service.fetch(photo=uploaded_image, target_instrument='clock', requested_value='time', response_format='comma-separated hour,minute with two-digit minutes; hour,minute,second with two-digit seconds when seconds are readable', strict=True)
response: 1,47
